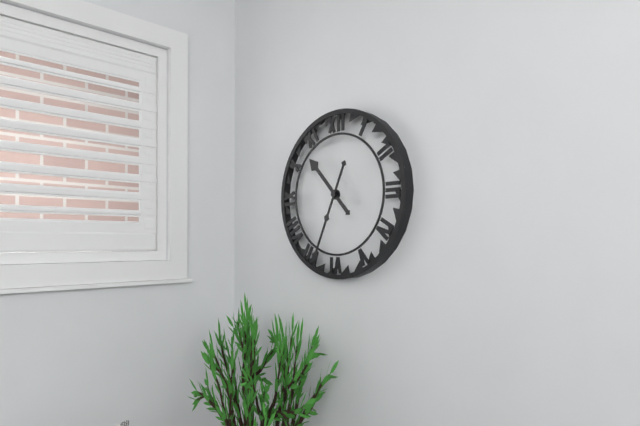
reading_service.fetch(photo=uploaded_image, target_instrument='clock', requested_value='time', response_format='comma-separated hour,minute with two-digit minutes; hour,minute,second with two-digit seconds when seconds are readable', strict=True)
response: 10,34
